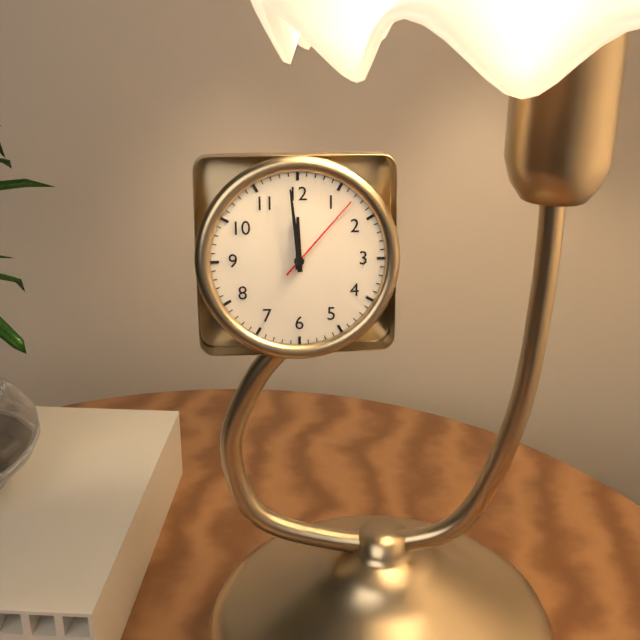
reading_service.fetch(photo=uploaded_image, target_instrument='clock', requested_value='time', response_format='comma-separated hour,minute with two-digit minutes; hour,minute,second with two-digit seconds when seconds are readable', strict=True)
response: 11,59,07
